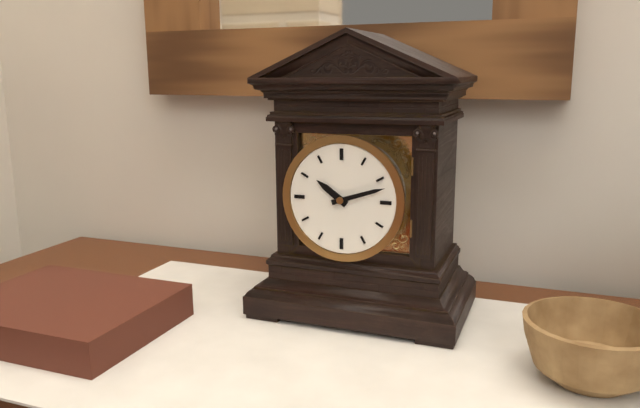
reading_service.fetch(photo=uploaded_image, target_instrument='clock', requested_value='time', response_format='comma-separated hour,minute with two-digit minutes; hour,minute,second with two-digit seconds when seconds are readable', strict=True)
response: 10,12
